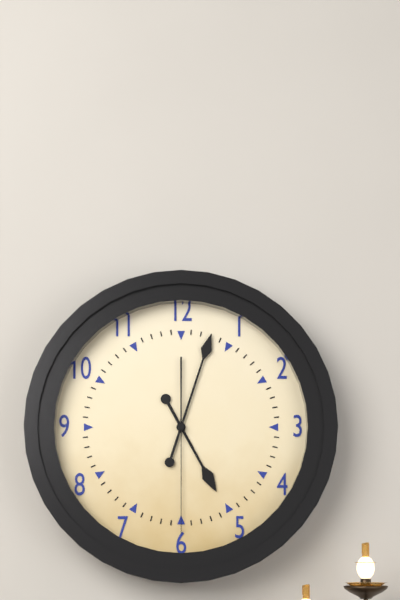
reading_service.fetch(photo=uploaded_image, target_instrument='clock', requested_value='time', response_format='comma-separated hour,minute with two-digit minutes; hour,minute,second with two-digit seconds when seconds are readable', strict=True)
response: 5,03,30
